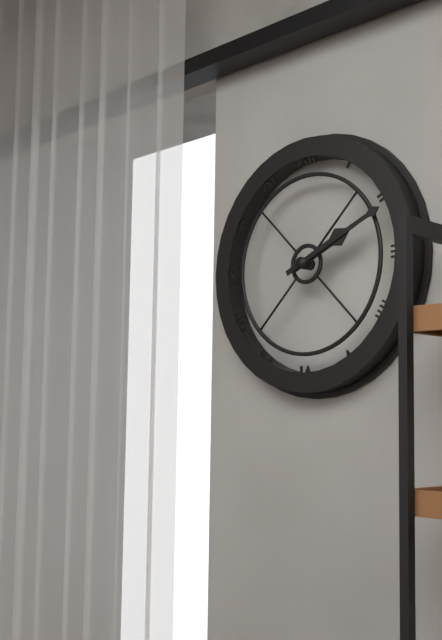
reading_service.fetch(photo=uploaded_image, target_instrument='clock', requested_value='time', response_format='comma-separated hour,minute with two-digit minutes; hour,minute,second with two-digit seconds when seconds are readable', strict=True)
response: 2,11
